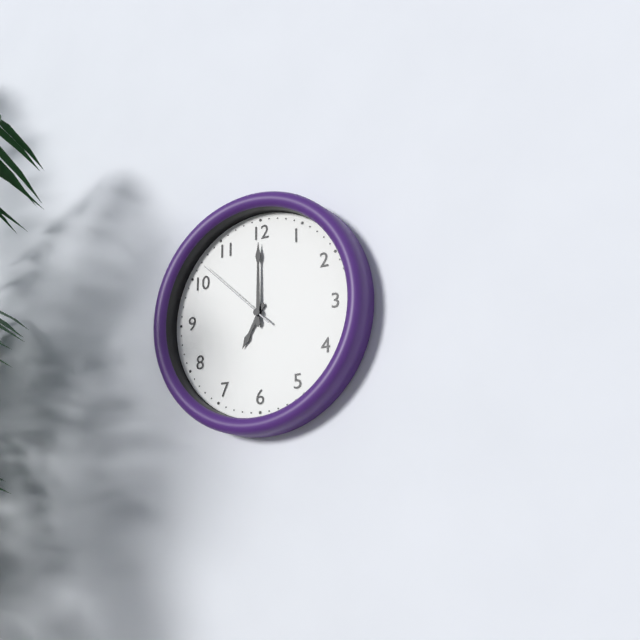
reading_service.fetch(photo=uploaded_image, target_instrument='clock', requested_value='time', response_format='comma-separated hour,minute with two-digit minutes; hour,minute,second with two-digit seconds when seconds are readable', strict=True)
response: 7,00,52
